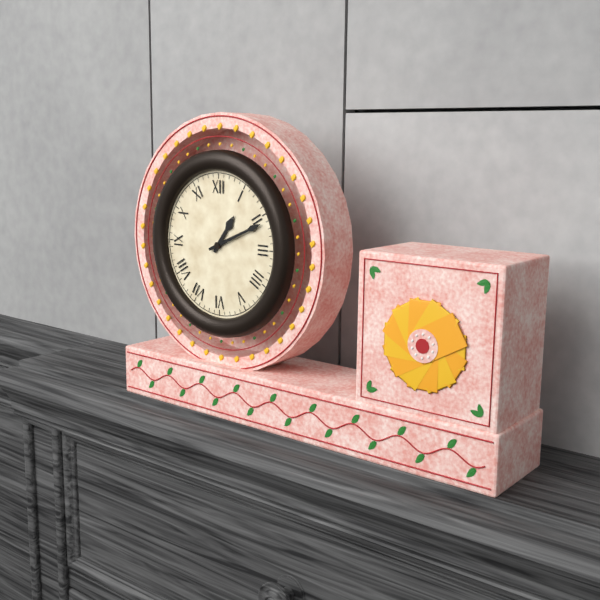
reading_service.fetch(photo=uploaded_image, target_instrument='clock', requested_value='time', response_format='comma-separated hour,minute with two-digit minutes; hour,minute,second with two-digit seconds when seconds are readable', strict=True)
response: 1,11
